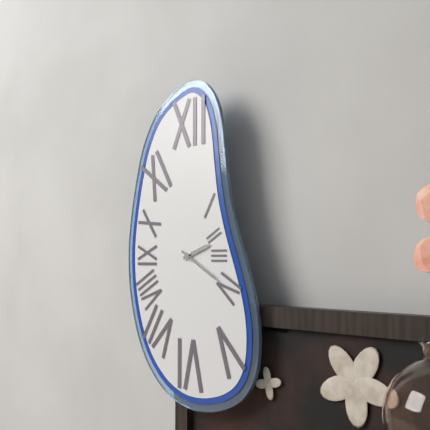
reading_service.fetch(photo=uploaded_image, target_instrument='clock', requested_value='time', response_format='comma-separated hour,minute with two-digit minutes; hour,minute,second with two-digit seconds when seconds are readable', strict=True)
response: 2,20
